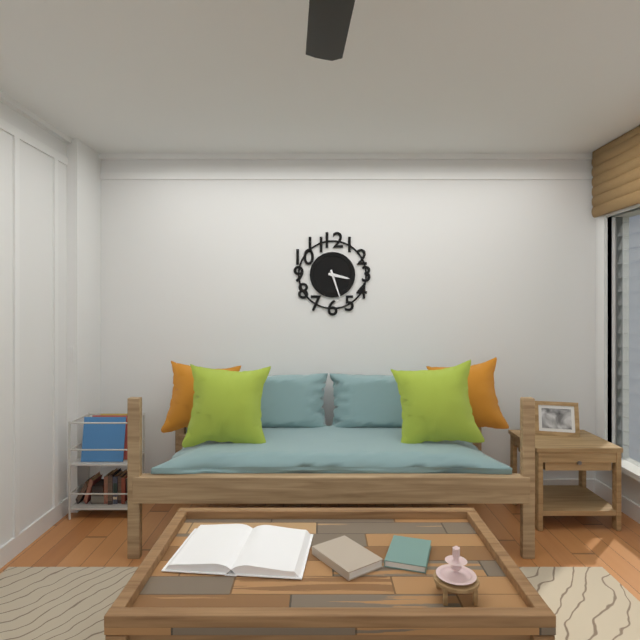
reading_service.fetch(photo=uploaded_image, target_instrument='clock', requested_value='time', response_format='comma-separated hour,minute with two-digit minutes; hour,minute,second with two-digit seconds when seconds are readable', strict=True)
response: 3,27
